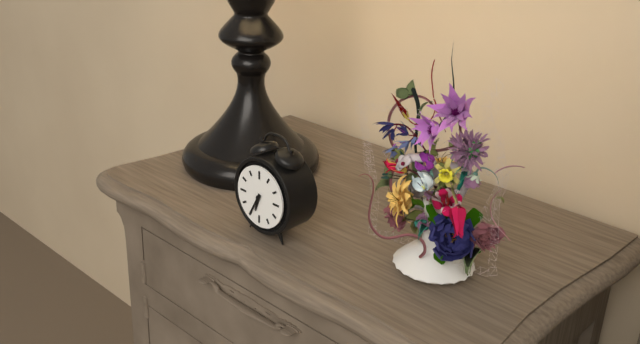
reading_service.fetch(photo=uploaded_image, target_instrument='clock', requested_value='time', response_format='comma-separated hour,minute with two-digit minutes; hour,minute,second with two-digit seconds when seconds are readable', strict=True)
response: 6,35
